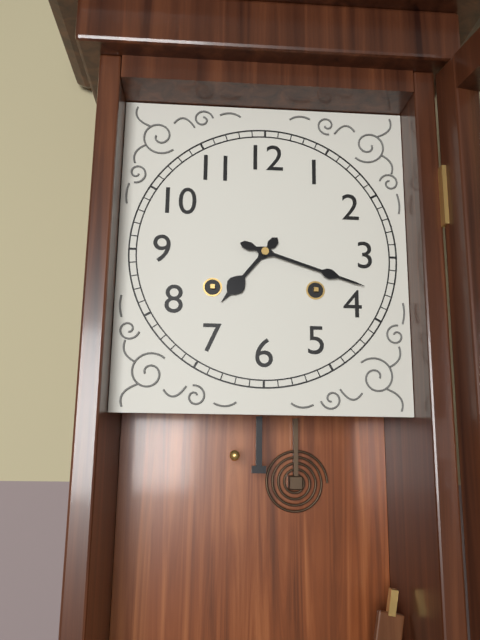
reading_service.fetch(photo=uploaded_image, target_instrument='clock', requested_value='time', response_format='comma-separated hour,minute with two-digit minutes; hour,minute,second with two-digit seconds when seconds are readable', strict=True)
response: 7,18
